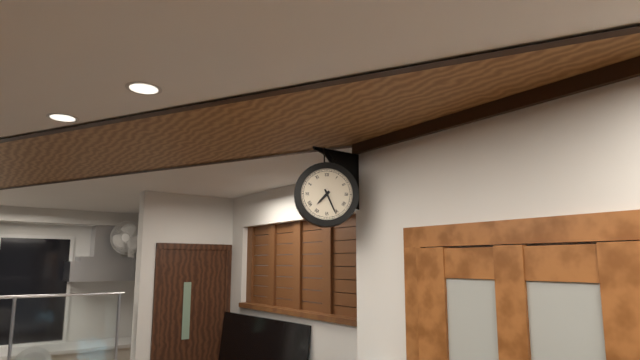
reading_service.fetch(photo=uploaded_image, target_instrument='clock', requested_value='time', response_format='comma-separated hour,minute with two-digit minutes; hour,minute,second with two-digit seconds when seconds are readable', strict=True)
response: 7,26
